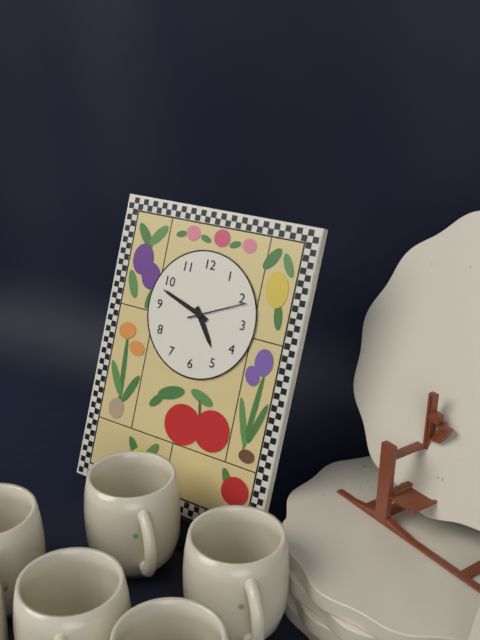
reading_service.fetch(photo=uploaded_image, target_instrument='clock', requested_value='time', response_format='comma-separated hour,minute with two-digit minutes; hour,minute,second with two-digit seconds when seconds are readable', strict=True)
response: 4,48,11
